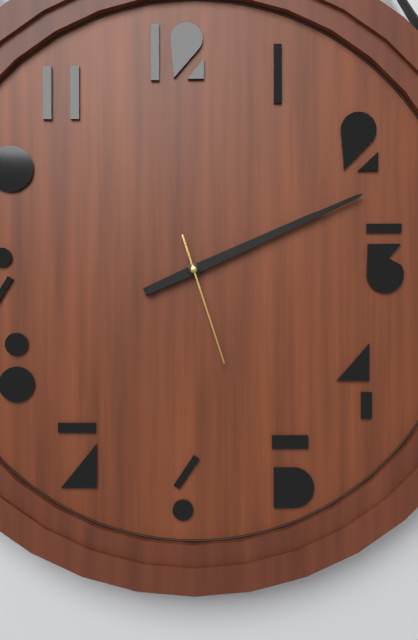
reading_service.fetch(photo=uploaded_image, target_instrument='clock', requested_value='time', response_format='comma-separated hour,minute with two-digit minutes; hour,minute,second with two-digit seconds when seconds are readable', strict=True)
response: 2,11,27
